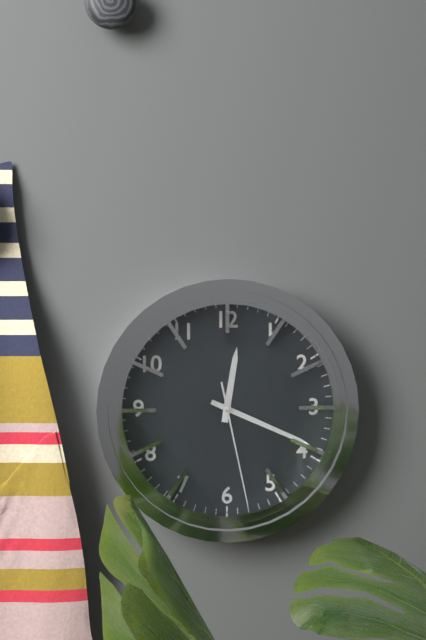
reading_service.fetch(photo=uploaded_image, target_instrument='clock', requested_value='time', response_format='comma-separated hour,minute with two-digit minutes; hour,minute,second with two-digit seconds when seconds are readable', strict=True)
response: 12,19,28
